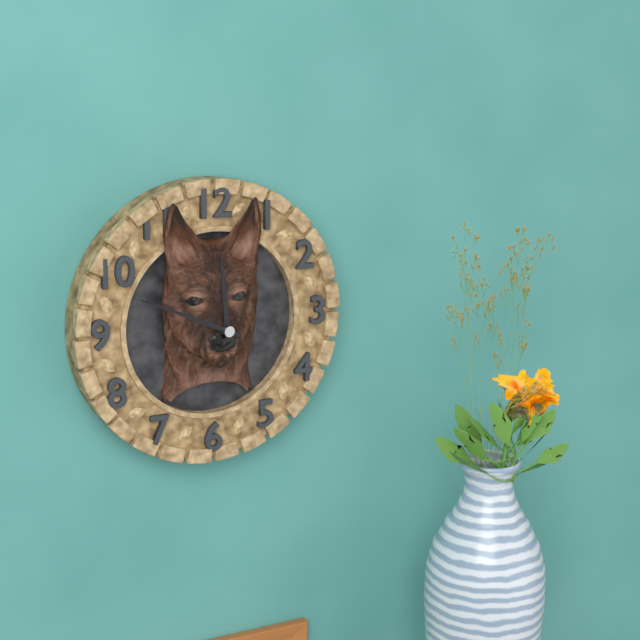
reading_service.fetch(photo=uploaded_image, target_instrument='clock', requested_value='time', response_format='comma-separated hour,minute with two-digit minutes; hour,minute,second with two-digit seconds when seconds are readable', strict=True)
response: 11,49
